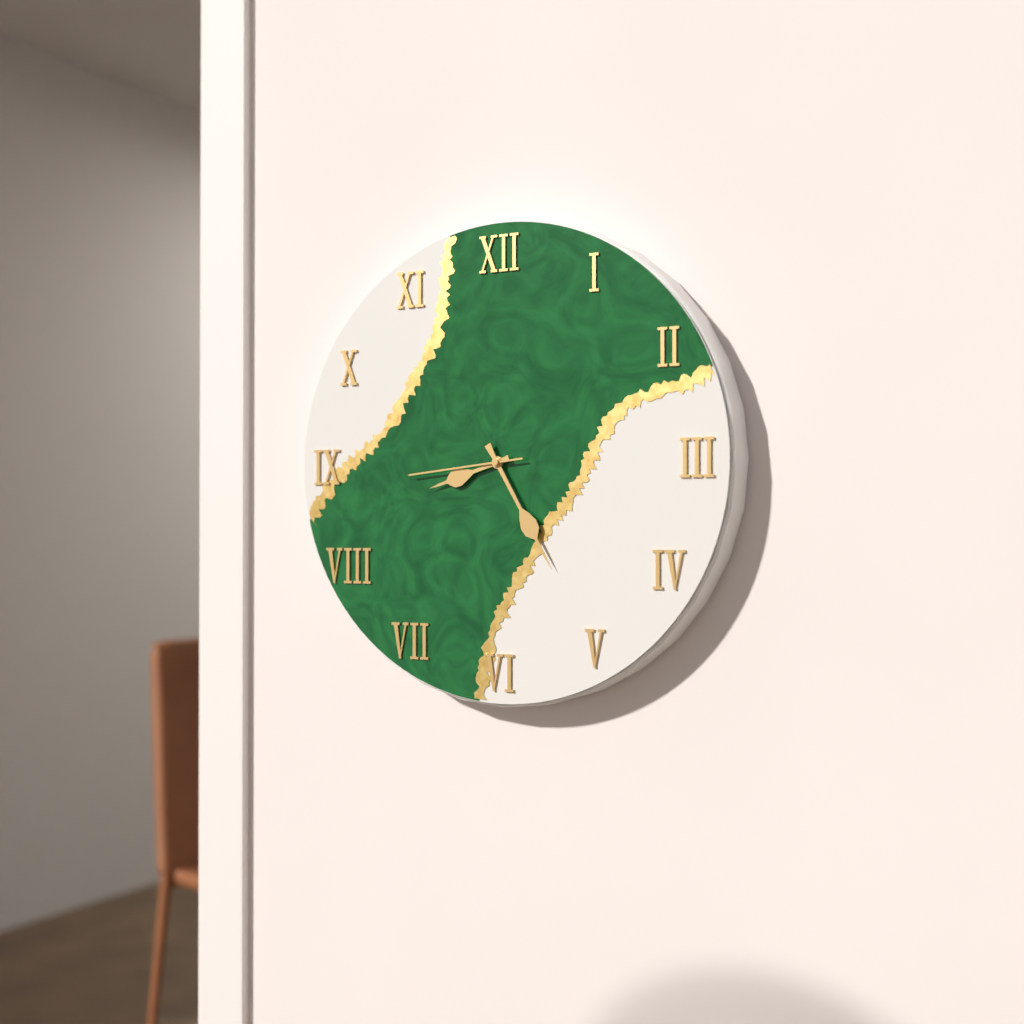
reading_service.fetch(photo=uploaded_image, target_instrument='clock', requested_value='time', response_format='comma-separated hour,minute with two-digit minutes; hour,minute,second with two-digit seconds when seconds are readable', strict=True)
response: 8,25,44
